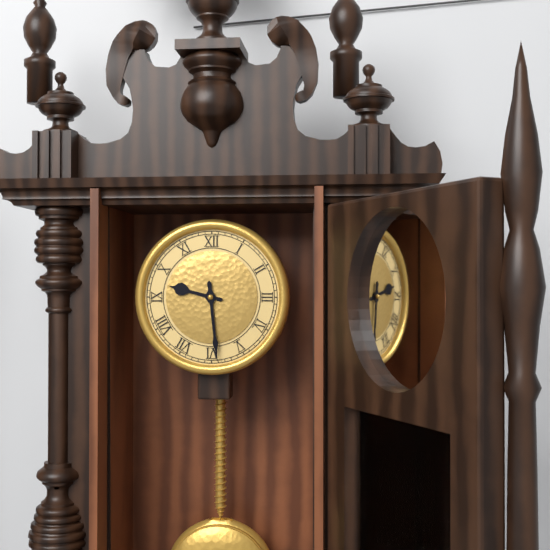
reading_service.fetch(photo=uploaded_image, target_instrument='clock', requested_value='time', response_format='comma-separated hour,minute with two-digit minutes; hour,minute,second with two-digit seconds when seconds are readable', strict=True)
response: 9,29
